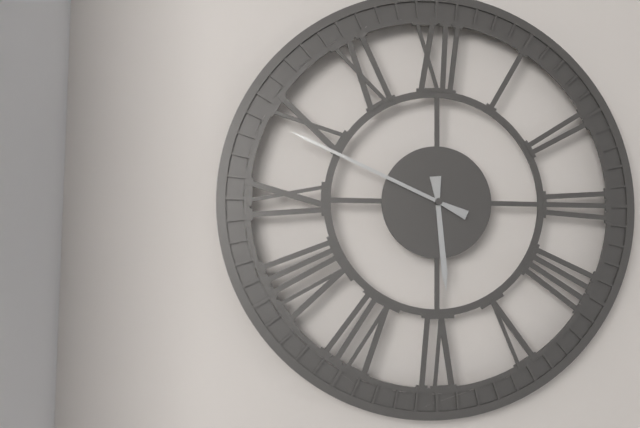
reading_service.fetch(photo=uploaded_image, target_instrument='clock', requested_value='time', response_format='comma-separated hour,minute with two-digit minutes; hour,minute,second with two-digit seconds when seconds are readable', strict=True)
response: 5,49
